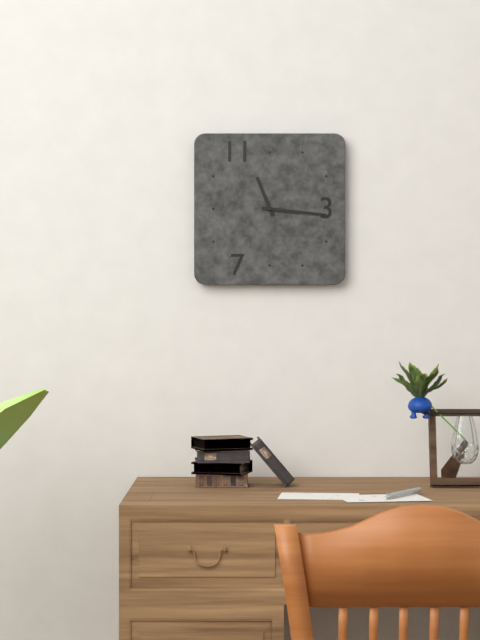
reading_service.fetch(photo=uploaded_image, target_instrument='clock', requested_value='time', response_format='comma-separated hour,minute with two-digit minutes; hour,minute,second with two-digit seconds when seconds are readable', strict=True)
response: 11,16
